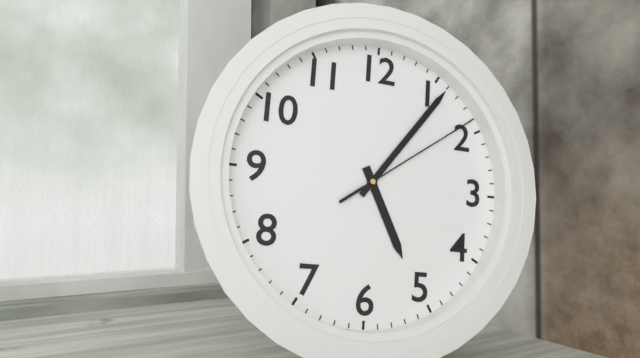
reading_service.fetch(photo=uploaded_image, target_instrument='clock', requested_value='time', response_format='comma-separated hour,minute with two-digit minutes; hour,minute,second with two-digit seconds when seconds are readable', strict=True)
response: 5,06,09
